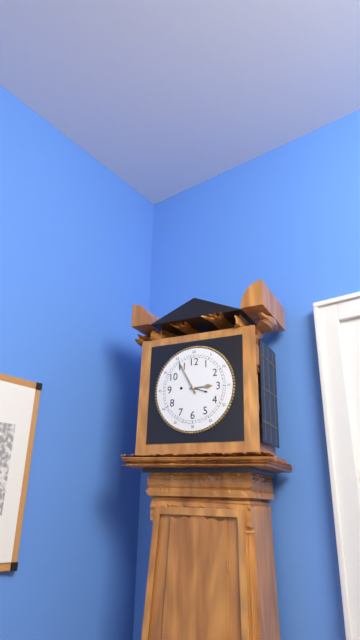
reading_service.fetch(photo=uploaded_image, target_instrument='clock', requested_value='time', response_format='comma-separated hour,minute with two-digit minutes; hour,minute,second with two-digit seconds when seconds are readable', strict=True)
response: 2,55
